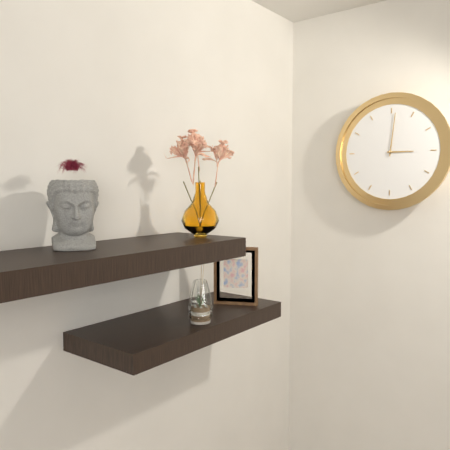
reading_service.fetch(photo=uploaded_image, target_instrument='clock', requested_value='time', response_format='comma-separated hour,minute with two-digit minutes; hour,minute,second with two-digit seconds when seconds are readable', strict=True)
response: 3,01
